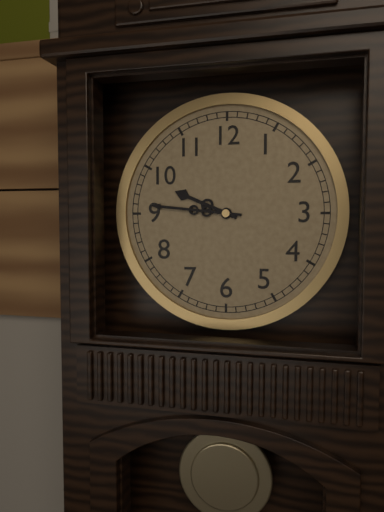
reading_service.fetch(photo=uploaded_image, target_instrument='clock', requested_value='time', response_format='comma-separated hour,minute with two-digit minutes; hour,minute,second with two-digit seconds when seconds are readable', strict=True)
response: 9,46
